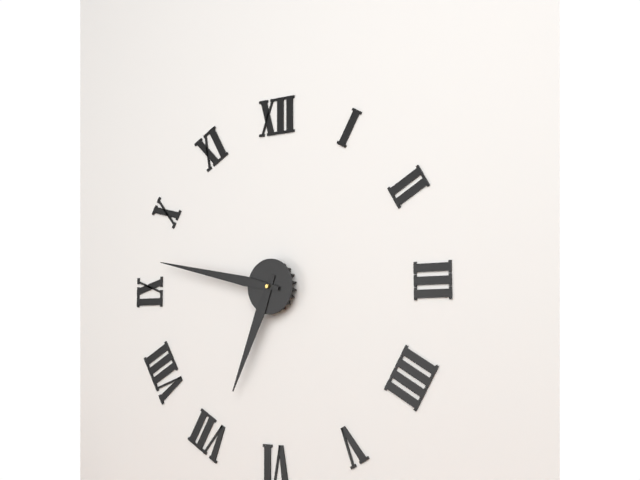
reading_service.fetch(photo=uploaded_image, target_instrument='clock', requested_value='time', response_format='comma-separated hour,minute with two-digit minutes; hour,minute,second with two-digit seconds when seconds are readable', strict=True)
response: 6,47
